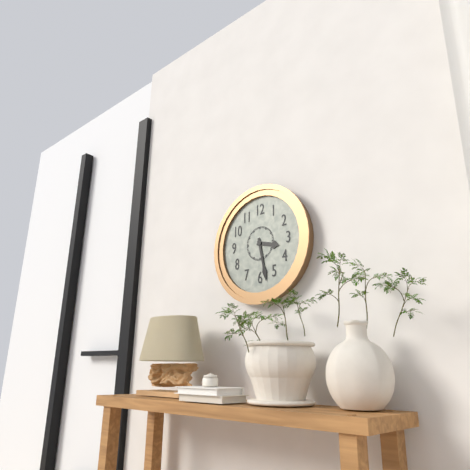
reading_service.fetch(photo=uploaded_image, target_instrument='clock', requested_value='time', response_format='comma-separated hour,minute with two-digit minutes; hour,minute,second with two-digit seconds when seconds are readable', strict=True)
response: 3,28
